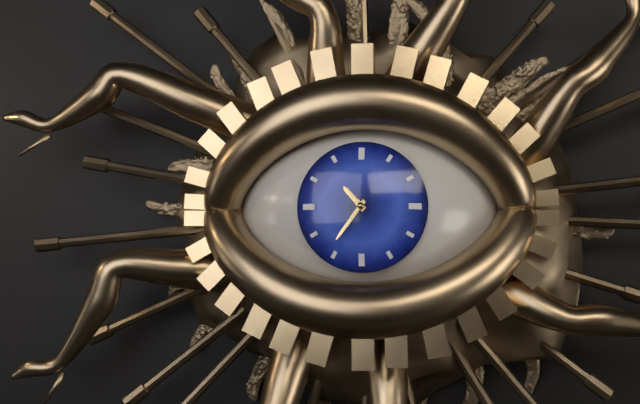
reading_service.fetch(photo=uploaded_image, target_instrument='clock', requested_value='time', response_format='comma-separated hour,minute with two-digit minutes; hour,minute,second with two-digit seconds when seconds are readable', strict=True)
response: 10,36
